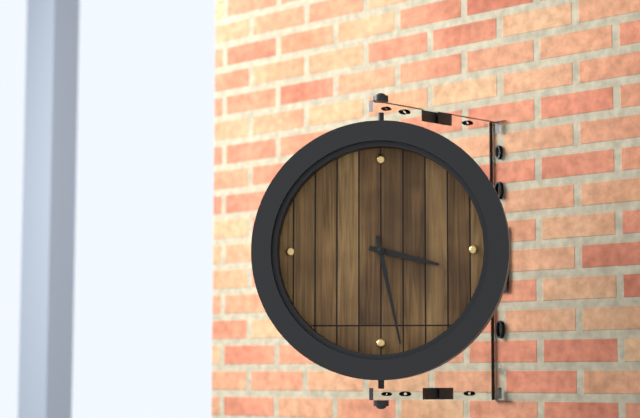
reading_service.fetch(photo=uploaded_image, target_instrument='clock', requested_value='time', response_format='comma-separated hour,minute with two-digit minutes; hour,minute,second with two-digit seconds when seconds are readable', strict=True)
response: 3,28
